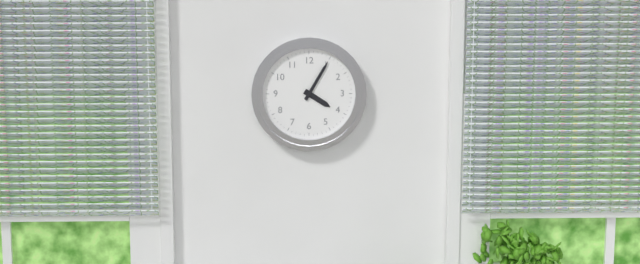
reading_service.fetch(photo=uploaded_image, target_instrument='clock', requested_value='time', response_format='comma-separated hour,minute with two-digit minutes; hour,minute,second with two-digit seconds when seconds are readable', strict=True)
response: 4,05
